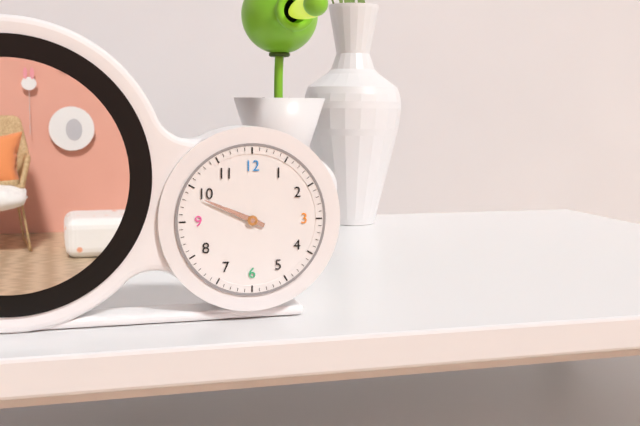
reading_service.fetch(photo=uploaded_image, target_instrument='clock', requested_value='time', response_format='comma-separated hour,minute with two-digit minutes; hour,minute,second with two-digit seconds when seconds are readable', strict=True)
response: 9,49
